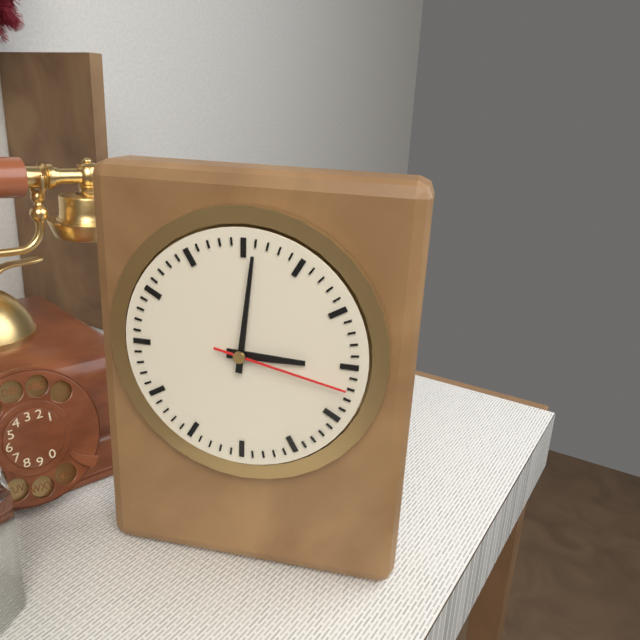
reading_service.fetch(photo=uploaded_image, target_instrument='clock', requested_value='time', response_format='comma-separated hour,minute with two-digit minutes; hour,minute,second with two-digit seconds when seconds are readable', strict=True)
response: 3,01,17
